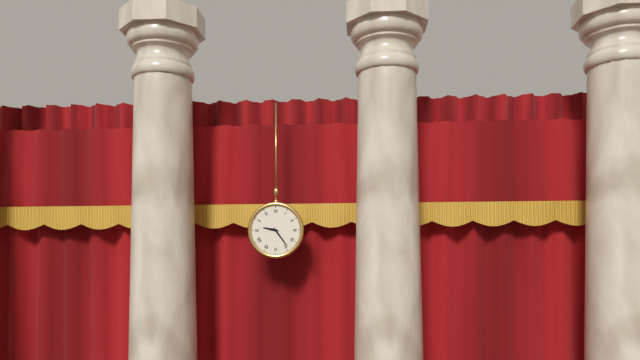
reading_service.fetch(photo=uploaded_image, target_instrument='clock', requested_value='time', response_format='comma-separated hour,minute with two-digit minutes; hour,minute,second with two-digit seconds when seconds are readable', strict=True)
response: 9,24
